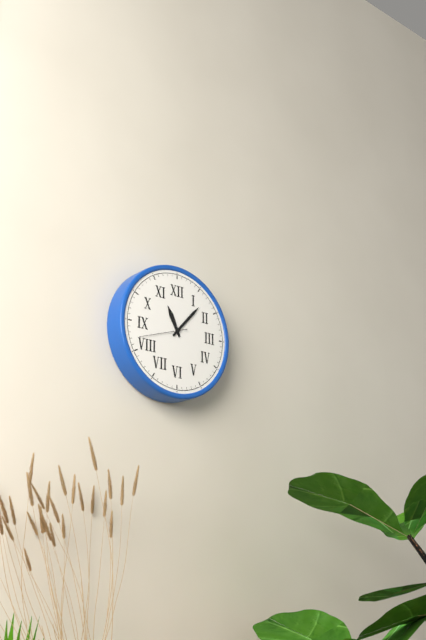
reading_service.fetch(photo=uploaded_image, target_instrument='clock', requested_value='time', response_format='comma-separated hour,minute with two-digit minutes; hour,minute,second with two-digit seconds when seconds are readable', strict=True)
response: 11,07
